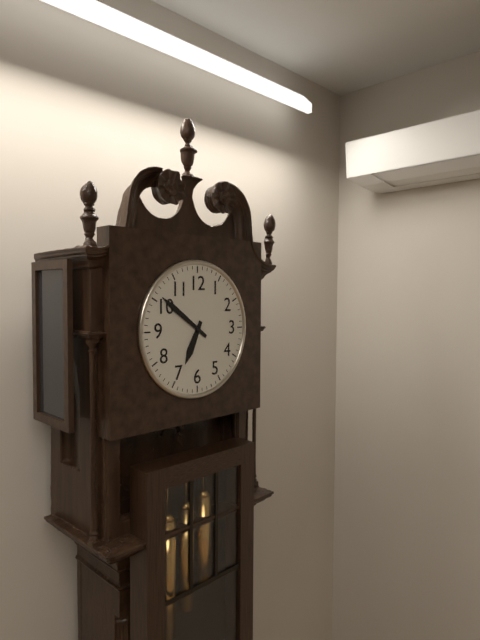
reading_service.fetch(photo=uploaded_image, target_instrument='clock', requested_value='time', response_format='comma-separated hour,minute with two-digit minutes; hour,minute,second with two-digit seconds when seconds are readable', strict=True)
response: 6,51
